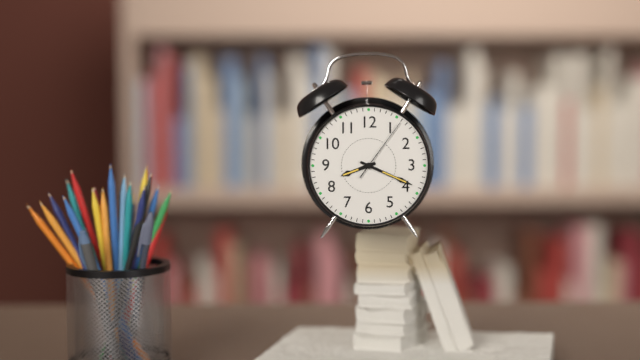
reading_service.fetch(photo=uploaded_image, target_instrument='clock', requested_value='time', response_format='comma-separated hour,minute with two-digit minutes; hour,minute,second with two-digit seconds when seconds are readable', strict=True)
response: 8,19,06
